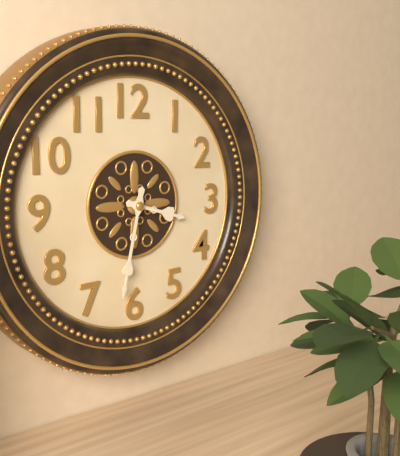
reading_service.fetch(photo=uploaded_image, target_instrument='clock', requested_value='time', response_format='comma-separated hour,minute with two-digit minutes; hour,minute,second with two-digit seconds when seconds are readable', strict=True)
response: 3,32
